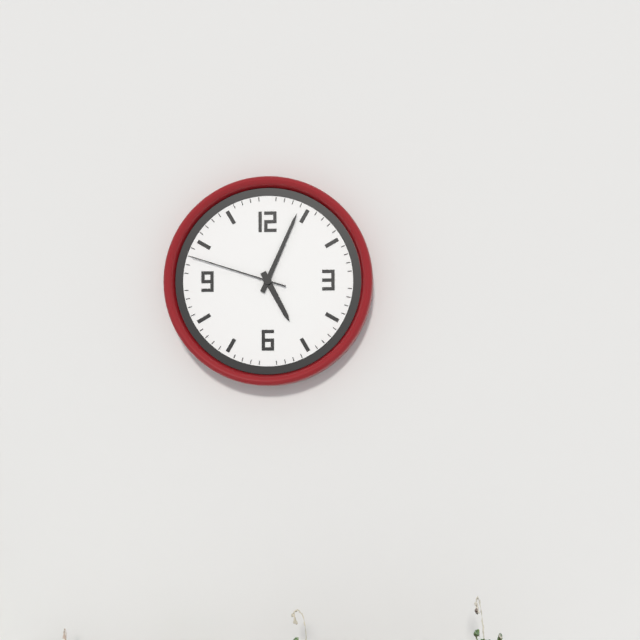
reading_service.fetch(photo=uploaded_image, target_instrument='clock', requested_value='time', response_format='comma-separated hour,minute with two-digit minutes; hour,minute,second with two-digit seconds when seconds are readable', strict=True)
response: 5,04,48
